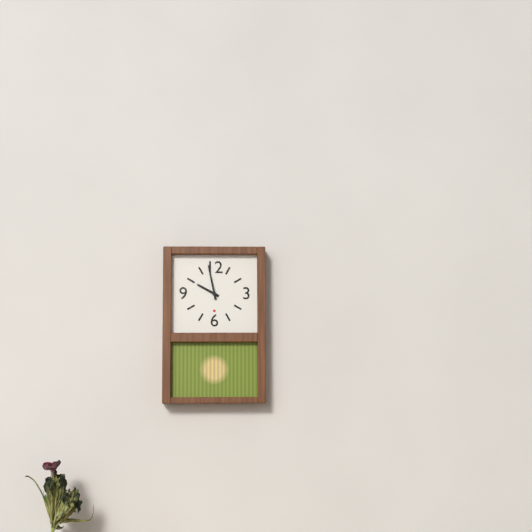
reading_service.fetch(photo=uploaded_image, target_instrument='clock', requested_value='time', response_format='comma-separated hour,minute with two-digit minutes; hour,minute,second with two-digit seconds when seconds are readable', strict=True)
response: 9,58
